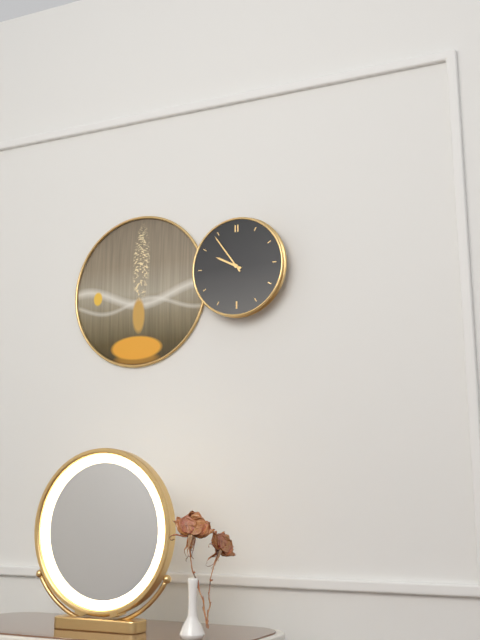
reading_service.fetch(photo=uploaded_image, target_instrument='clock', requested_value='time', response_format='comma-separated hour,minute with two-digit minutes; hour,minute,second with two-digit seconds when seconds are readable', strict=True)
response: 9,54
